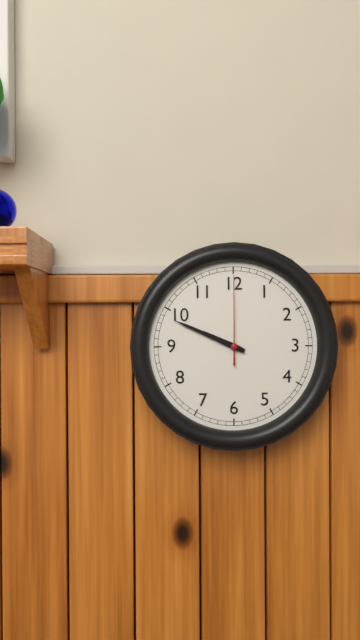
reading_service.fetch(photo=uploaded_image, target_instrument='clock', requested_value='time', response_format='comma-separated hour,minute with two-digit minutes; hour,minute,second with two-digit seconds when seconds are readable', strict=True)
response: 9,49,00
